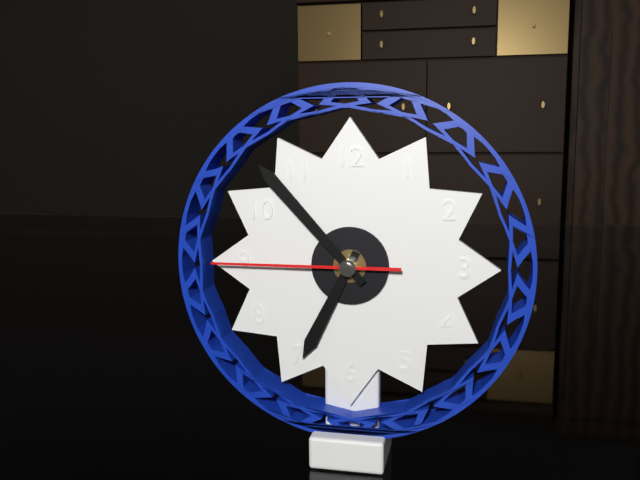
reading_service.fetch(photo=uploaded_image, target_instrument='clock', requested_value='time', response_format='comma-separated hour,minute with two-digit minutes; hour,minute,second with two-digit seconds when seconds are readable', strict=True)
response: 6,53,45
